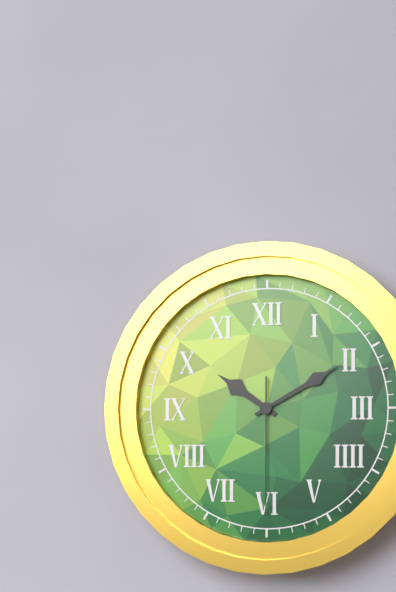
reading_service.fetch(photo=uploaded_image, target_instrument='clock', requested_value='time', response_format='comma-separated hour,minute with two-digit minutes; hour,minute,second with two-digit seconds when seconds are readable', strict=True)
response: 10,10,30
